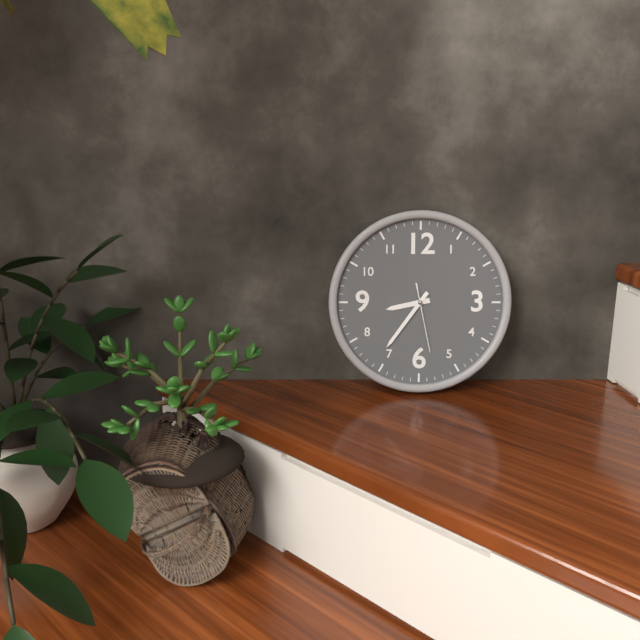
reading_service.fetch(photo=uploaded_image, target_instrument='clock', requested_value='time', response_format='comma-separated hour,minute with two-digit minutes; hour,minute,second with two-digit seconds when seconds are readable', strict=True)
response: 8,36,28
